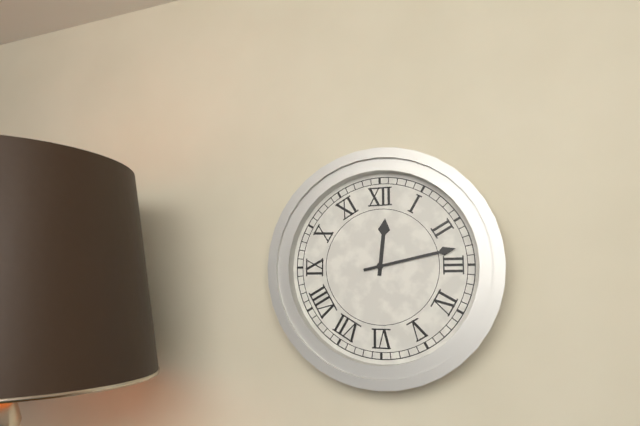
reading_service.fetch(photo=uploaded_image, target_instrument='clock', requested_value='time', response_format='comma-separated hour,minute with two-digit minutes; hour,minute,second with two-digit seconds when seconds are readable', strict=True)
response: 12,13
